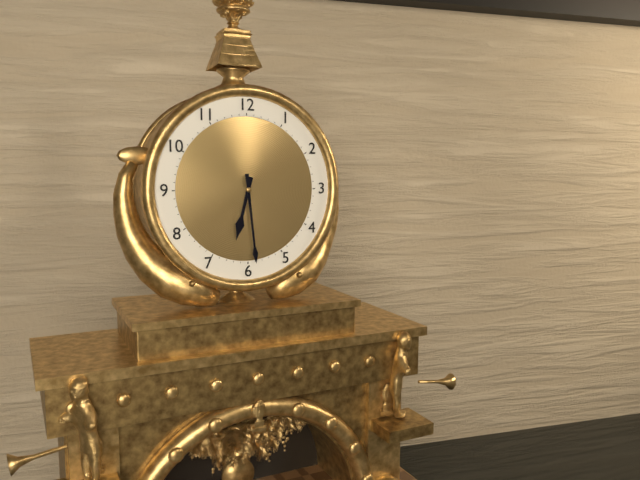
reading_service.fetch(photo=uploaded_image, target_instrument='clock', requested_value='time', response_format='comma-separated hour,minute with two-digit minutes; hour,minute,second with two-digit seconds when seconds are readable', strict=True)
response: 6,29
